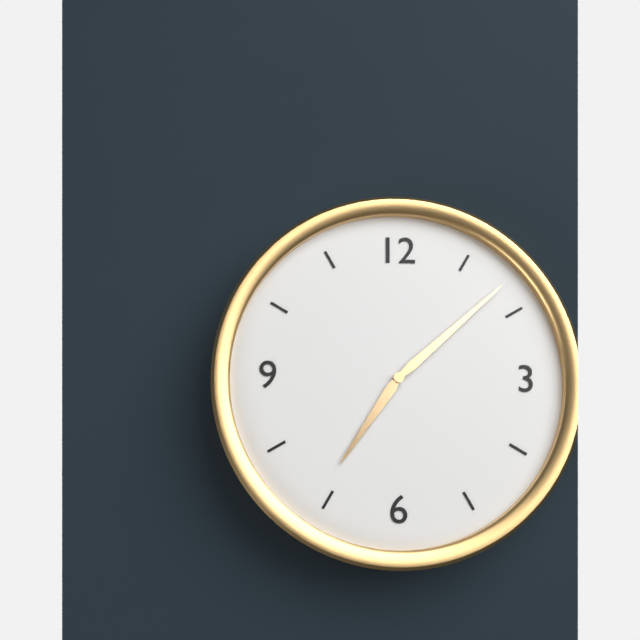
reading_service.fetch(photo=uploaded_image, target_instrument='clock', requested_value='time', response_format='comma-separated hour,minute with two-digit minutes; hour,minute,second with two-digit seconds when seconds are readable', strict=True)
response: 7,08
